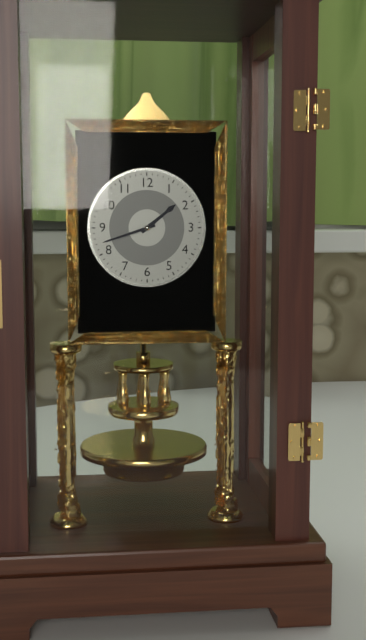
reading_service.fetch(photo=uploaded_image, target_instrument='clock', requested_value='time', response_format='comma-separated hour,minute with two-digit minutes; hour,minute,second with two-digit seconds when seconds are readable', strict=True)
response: 1,42
